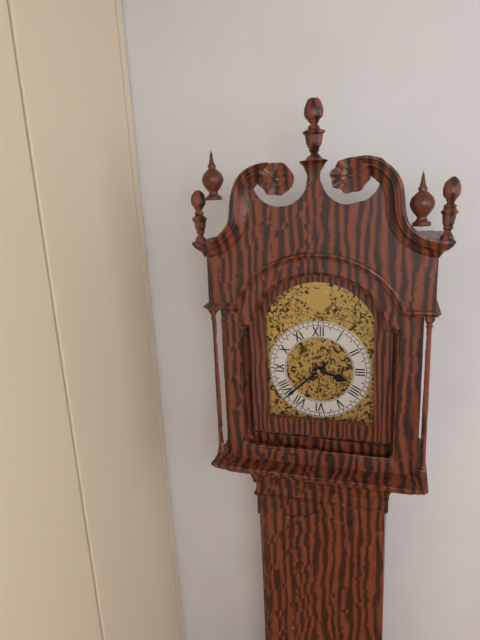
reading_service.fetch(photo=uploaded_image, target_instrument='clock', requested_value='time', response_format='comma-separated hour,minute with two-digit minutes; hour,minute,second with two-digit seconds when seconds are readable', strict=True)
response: 3,38
